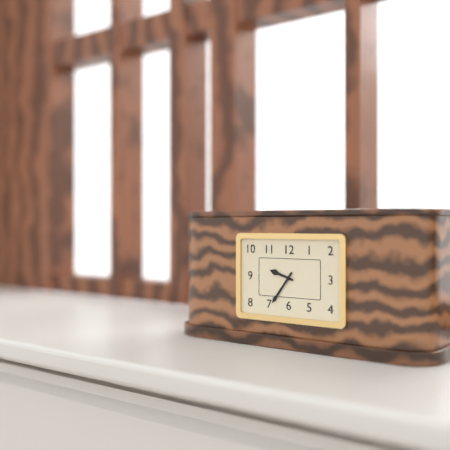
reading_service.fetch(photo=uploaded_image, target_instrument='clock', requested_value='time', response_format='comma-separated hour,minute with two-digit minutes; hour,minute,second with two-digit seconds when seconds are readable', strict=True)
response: 9,36
